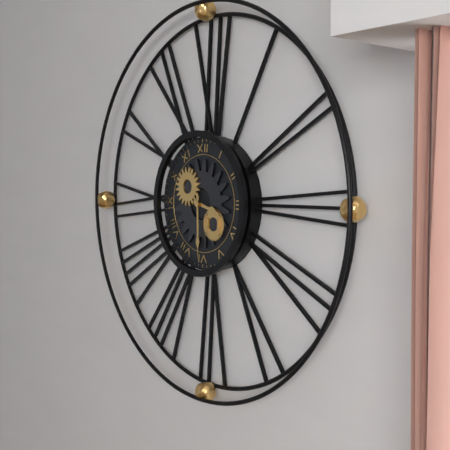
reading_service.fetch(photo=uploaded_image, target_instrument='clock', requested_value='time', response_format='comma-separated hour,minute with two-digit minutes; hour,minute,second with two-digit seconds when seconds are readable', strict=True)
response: 3,30
